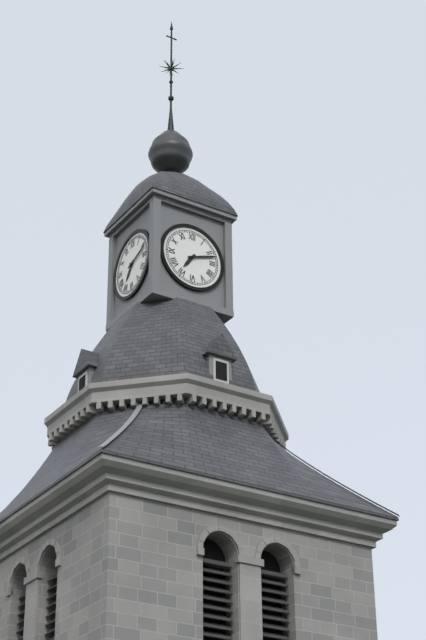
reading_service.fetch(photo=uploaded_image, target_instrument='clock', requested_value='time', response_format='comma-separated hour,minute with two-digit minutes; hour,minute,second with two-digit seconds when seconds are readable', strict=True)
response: 7,12
